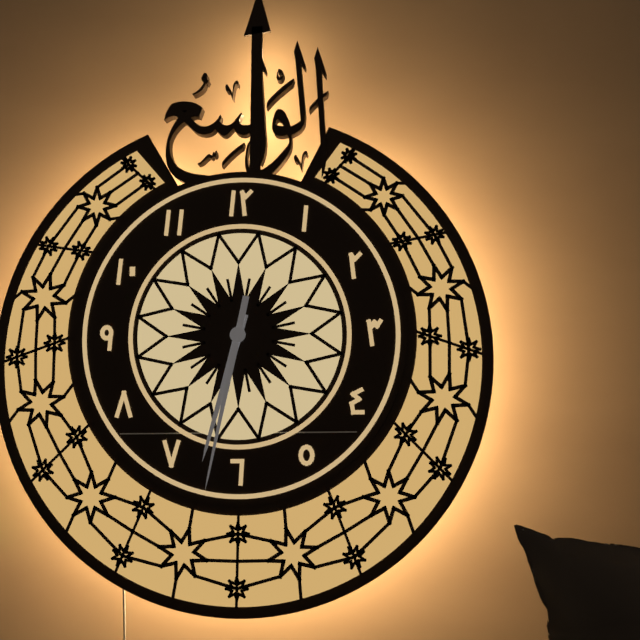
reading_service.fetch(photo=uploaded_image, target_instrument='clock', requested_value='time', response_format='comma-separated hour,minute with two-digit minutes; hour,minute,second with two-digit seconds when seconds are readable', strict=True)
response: 6,32
